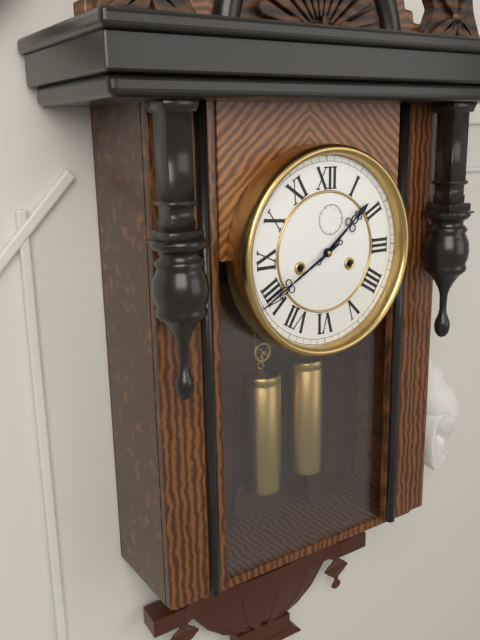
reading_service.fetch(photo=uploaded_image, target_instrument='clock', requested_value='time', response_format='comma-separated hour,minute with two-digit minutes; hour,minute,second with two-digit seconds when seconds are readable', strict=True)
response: 1,40
